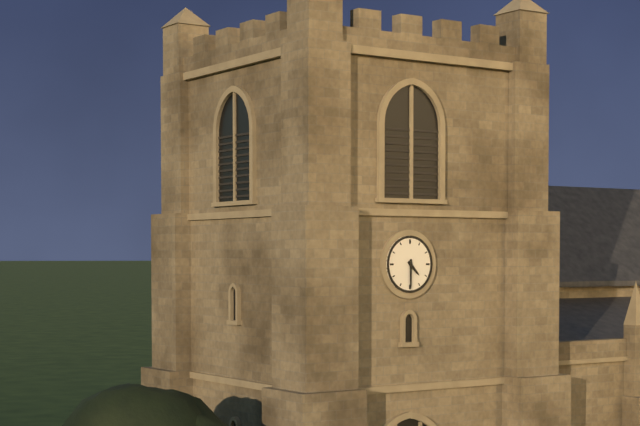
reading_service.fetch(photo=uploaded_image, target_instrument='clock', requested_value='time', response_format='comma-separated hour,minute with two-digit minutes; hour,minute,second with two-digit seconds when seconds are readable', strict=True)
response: 4,30
